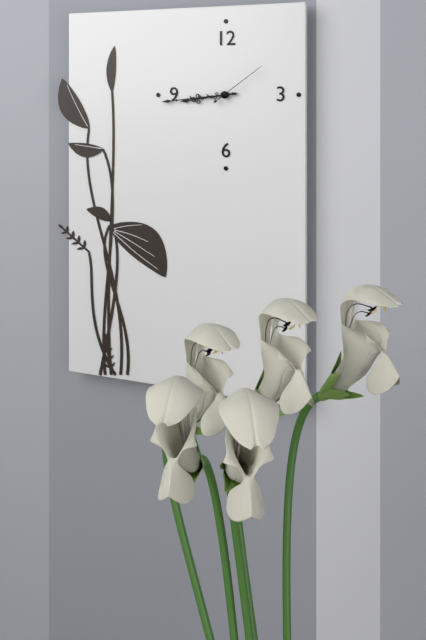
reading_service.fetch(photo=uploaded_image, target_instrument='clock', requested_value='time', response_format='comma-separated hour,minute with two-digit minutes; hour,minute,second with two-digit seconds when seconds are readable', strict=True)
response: 8,44,09
